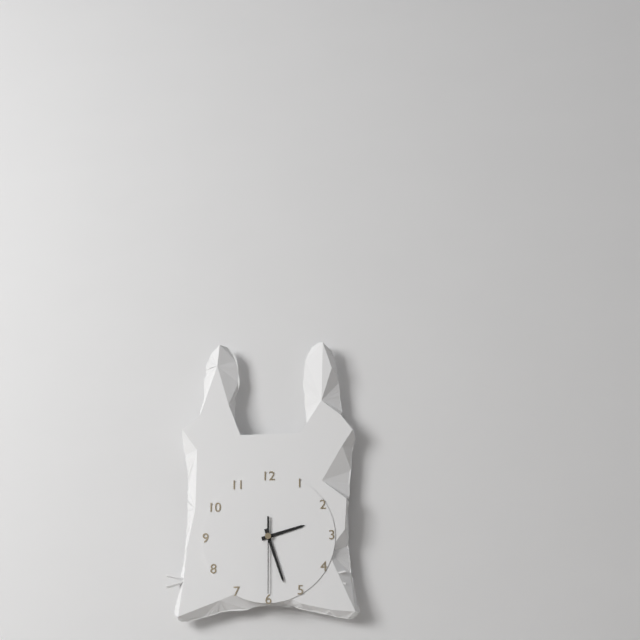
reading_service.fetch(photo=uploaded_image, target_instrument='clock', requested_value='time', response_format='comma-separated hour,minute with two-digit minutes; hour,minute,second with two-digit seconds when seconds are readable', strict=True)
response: 2,27,30
